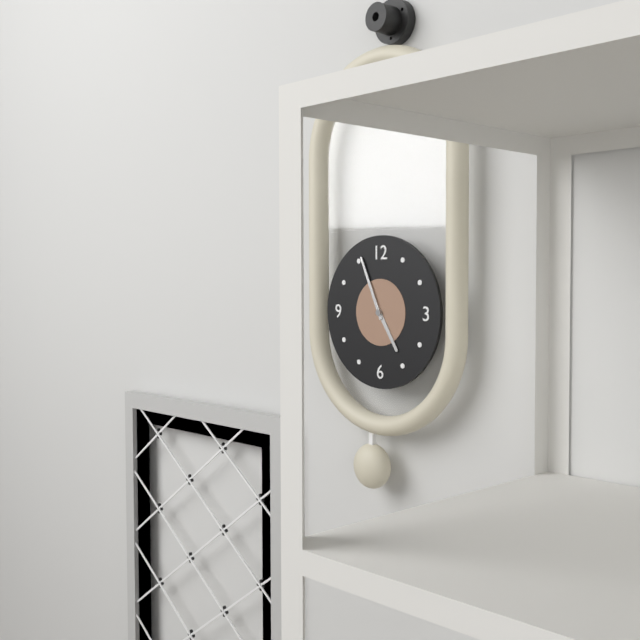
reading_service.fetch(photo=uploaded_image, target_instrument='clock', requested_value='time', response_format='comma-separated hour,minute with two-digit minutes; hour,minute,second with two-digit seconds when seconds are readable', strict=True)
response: 4,56
